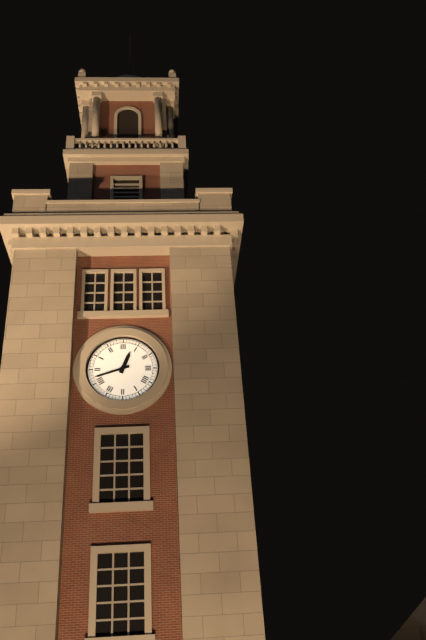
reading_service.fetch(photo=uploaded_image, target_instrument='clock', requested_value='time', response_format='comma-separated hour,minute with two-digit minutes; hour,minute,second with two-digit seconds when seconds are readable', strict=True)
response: 12,42
